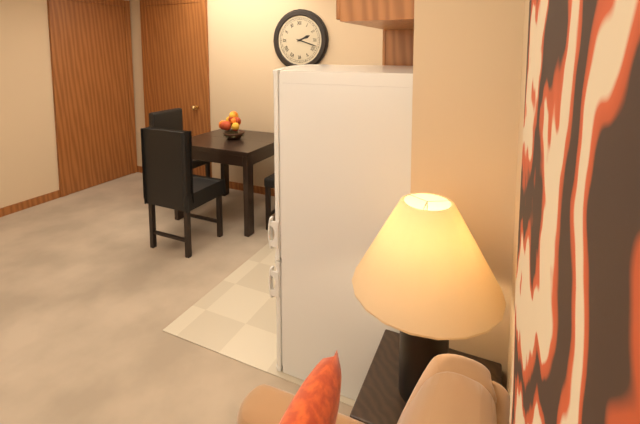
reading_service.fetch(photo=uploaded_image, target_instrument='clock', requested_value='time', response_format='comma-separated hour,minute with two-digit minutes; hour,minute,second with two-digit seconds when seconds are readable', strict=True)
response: 2,18
